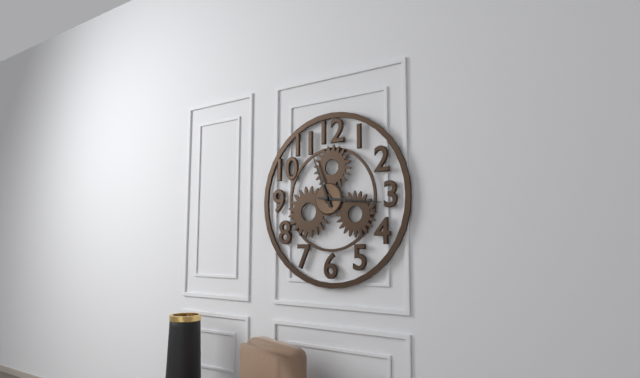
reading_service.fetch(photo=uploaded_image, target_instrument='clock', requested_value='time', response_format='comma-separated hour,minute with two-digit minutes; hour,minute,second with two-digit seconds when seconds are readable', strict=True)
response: 11,16
